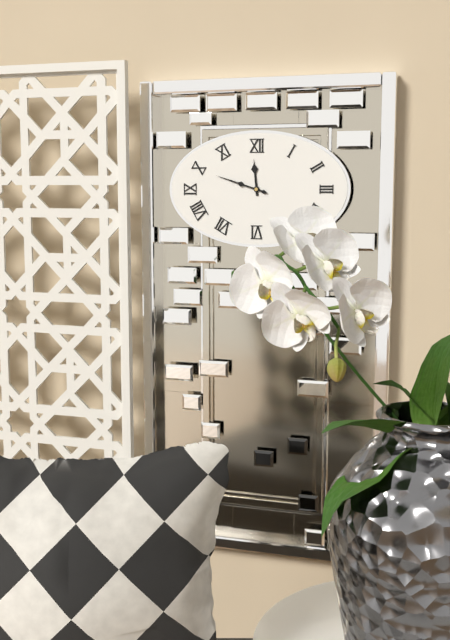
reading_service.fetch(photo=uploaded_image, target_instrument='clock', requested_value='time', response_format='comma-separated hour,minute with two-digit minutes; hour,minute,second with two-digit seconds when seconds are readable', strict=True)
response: 11,48
